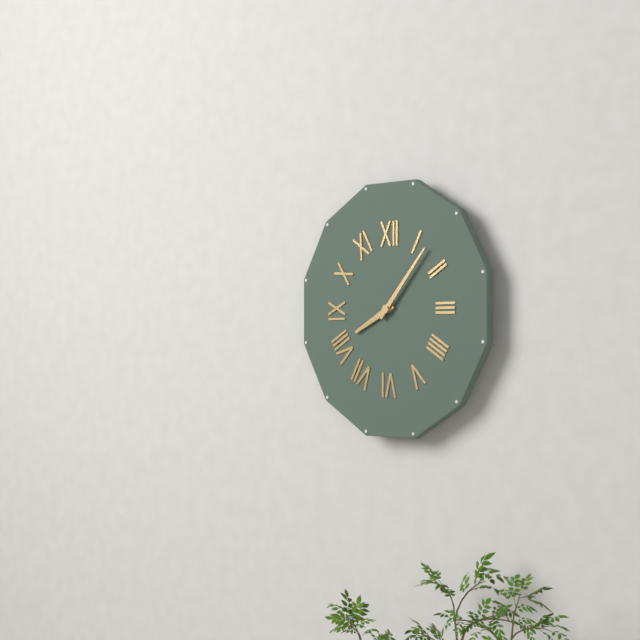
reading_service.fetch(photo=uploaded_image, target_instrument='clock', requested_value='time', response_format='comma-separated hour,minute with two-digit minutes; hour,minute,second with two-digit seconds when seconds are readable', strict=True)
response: 8,07
